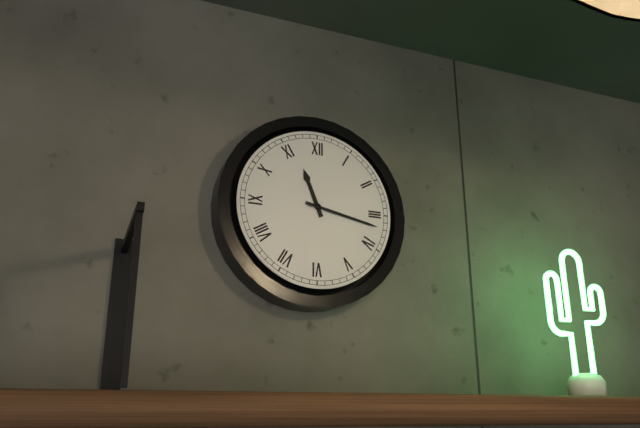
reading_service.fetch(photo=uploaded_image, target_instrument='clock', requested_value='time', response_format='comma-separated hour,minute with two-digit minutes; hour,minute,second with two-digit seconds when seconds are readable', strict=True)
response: 11,17
